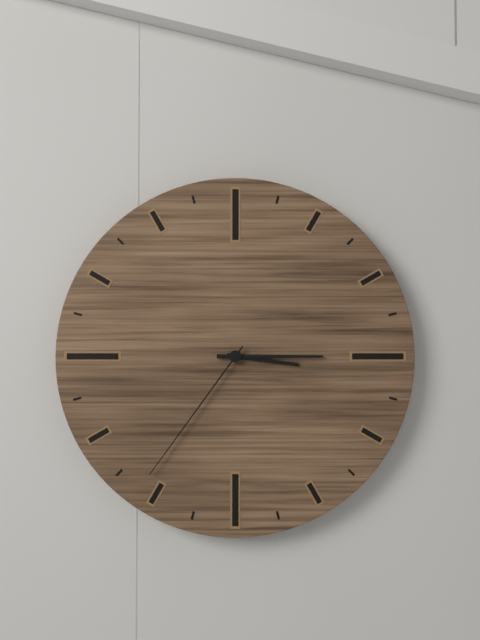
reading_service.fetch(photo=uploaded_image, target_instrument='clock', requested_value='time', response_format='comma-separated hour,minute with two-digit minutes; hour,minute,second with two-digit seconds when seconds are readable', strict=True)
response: 3,15,36
